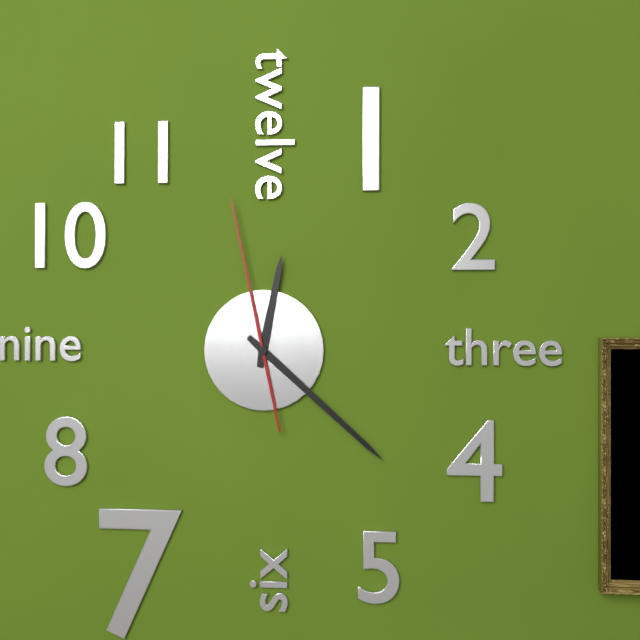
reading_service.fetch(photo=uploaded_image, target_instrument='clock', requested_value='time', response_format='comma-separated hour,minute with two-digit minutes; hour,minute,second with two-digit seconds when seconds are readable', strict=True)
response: 12,22,58
